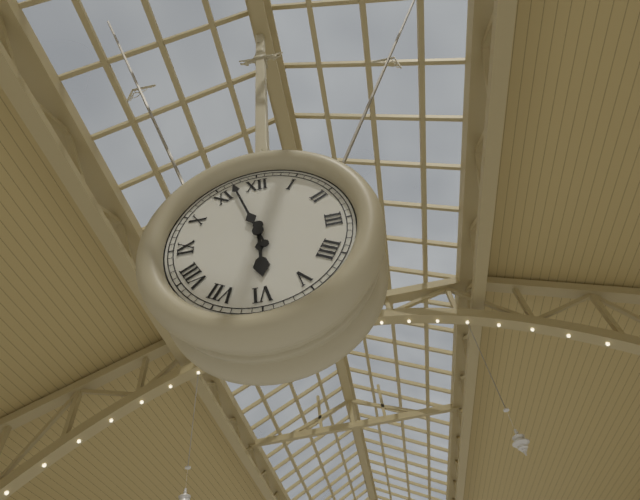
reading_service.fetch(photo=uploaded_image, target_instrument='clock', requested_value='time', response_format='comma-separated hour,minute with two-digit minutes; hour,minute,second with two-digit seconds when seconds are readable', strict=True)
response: 5,57
